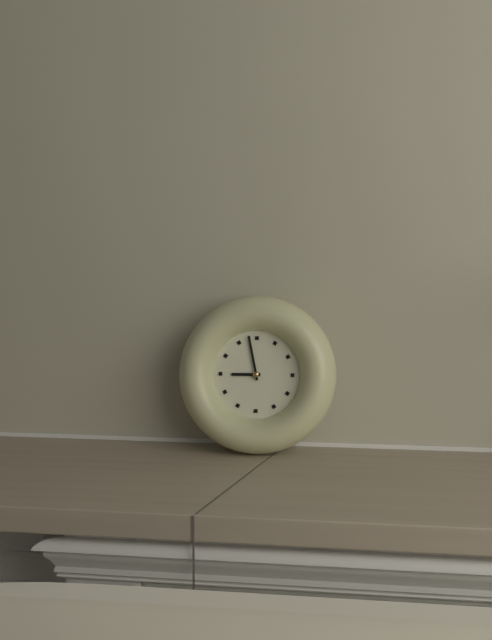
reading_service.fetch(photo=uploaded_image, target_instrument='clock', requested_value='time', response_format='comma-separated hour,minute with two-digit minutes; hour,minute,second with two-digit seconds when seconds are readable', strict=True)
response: 8,58
